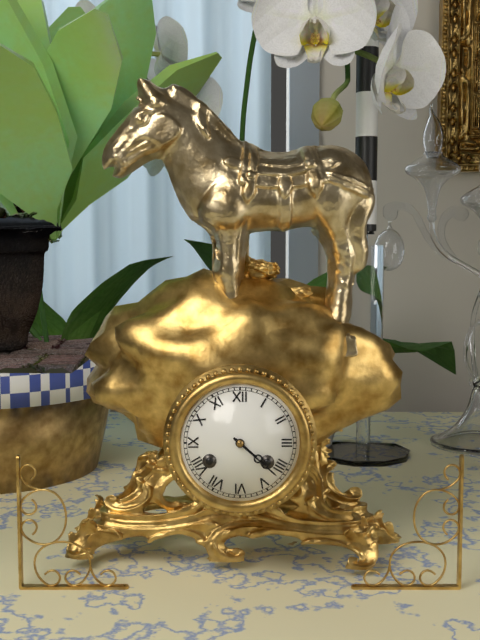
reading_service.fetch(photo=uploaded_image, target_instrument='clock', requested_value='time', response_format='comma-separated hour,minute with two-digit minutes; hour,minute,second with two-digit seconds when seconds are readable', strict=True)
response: 4,22
